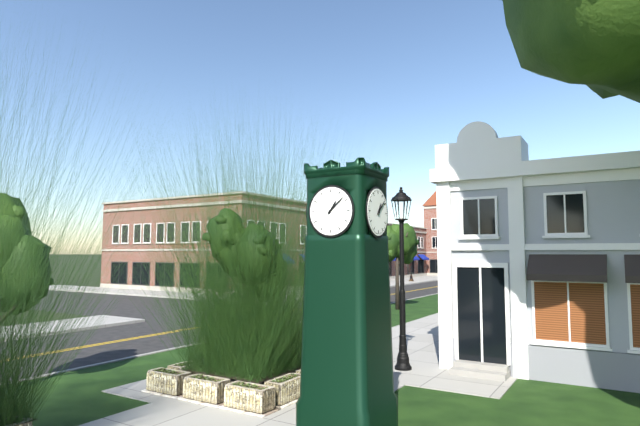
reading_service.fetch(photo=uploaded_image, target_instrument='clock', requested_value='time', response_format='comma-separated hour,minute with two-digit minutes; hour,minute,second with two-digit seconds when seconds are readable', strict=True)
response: 1,08
